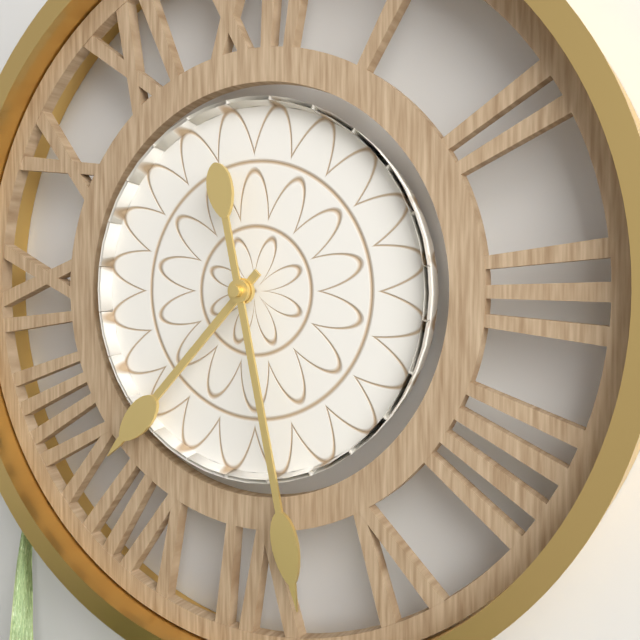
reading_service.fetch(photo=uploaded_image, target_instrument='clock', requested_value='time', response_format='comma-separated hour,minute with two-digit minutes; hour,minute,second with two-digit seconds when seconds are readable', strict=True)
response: 7,28
